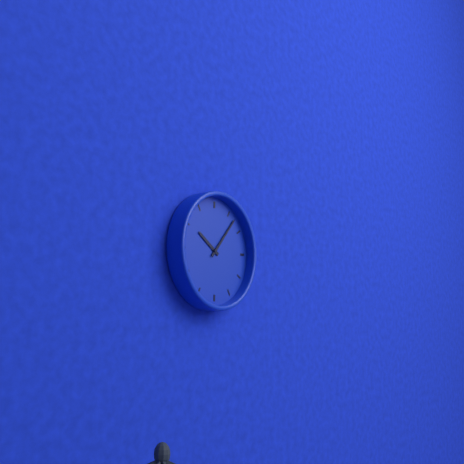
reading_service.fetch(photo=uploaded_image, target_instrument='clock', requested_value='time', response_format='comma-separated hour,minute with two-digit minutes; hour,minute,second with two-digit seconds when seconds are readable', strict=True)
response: 10,07
